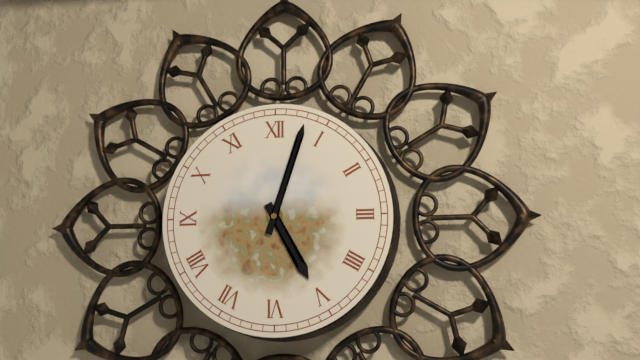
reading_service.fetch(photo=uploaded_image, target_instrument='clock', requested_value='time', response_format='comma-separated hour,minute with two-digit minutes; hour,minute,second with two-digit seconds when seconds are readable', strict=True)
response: 5,03
